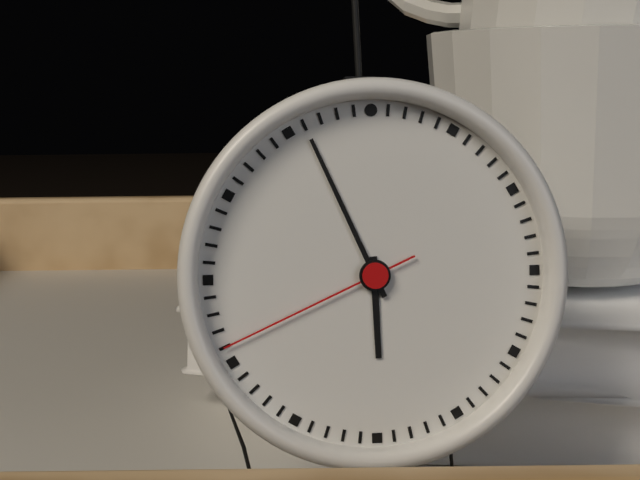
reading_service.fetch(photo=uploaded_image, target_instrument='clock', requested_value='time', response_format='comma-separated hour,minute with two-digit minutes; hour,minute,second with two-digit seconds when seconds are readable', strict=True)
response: 5,56,41
